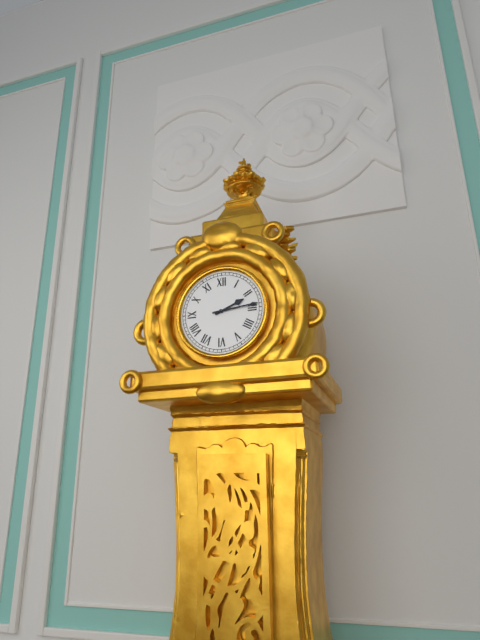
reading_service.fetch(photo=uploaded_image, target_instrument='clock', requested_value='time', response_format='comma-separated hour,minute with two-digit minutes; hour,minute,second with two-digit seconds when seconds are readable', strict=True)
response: 2,14
